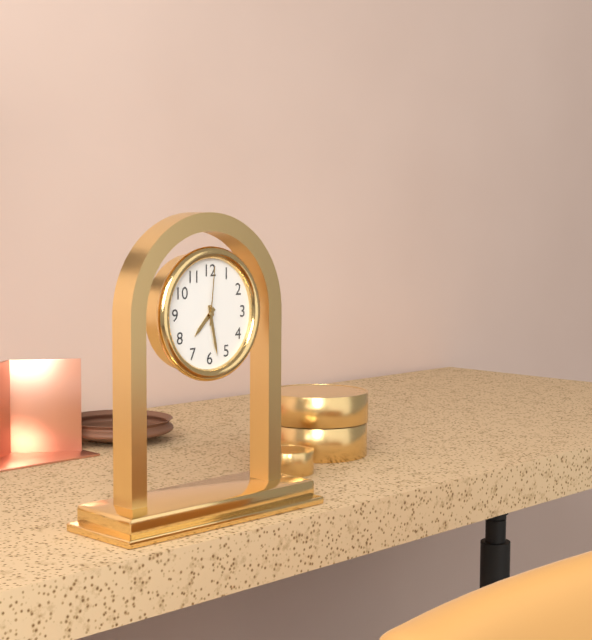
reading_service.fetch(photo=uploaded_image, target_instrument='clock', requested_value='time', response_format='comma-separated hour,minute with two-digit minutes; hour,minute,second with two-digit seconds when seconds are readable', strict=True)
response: 7,28,01
